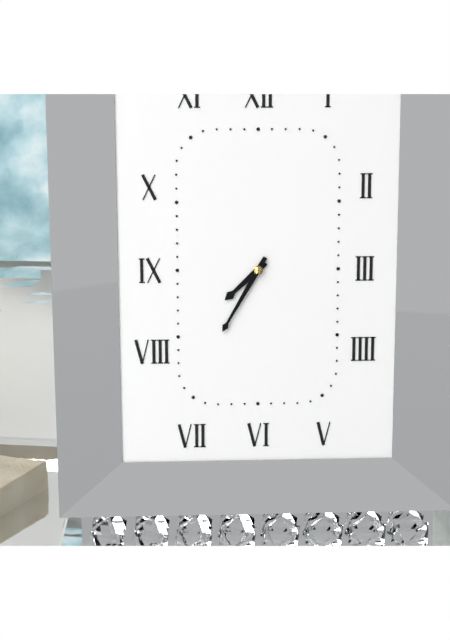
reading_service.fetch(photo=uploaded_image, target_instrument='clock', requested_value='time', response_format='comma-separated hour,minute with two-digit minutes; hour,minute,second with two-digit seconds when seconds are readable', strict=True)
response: 7,35
